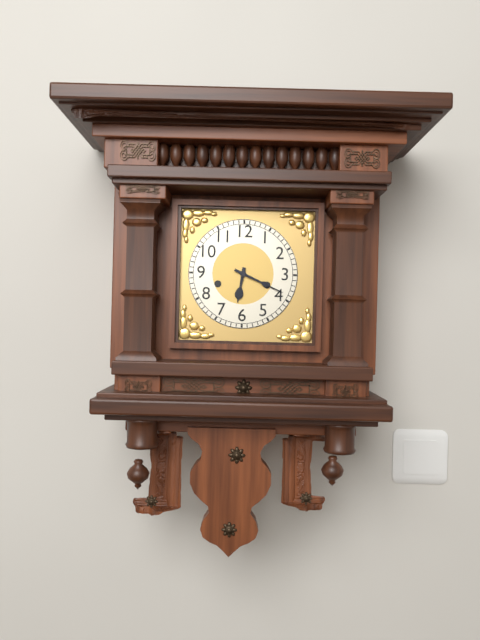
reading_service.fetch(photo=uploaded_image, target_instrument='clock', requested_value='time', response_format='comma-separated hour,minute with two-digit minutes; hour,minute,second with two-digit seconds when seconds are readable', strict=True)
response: 6,19
